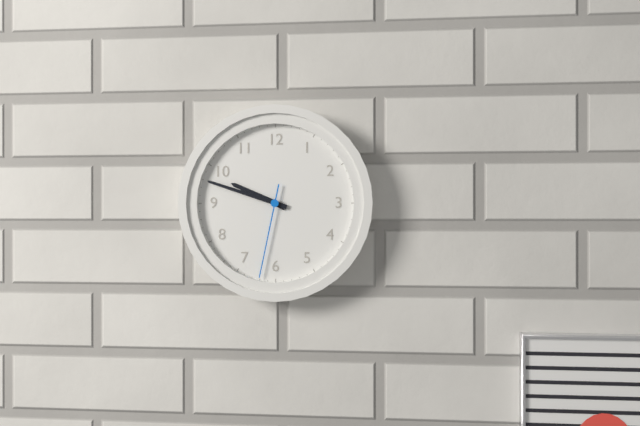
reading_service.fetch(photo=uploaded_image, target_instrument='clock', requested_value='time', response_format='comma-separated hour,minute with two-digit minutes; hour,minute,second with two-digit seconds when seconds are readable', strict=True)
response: 9,48,32
